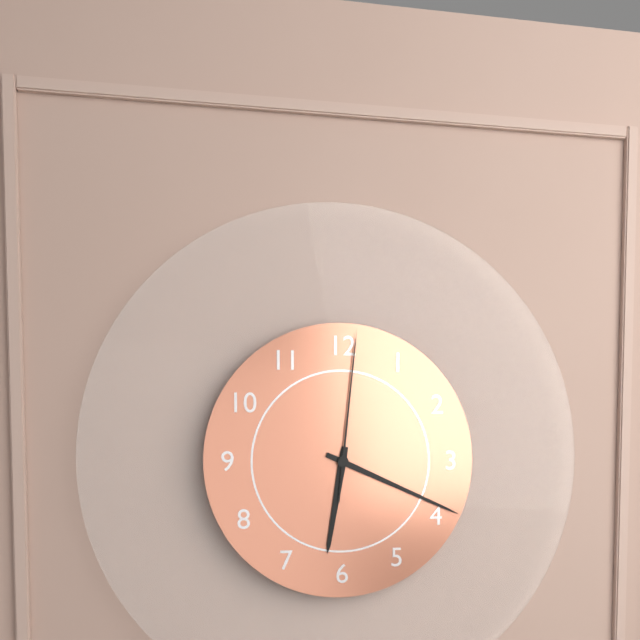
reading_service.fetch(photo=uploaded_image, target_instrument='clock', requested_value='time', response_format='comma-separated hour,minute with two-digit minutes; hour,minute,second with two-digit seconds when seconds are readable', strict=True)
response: 6,19,01
